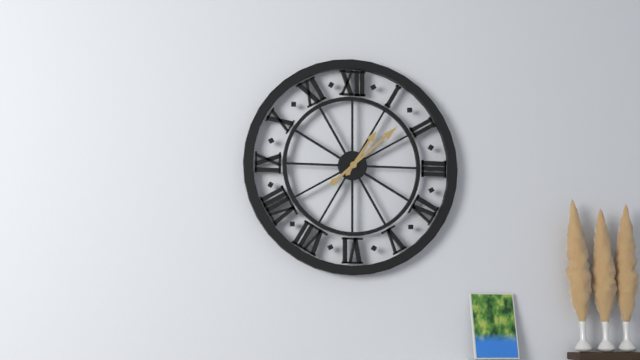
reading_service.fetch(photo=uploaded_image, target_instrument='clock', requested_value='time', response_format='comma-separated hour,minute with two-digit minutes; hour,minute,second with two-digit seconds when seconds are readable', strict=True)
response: 1,08
